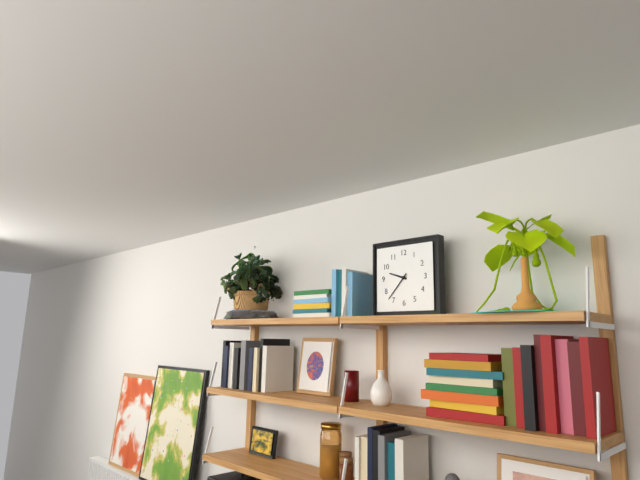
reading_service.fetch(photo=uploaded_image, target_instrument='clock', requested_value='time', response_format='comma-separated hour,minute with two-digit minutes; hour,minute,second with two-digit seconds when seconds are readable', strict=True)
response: 9,37
